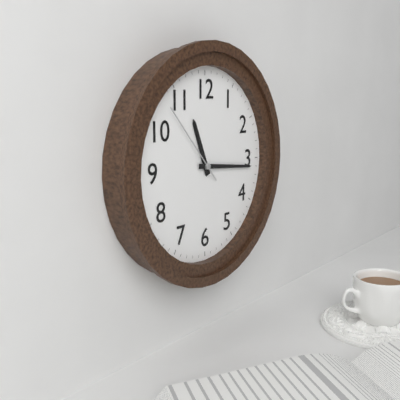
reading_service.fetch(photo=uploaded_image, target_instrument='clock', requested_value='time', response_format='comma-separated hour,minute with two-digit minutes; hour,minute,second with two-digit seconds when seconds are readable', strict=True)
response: 11,16,53
